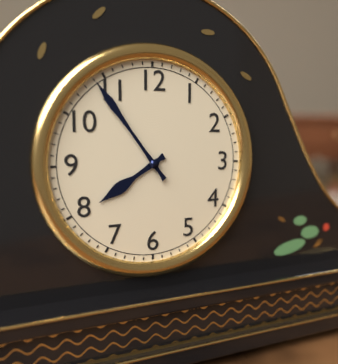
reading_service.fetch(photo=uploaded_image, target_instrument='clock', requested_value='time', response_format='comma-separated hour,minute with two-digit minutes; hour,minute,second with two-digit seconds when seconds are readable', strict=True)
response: 7,54
